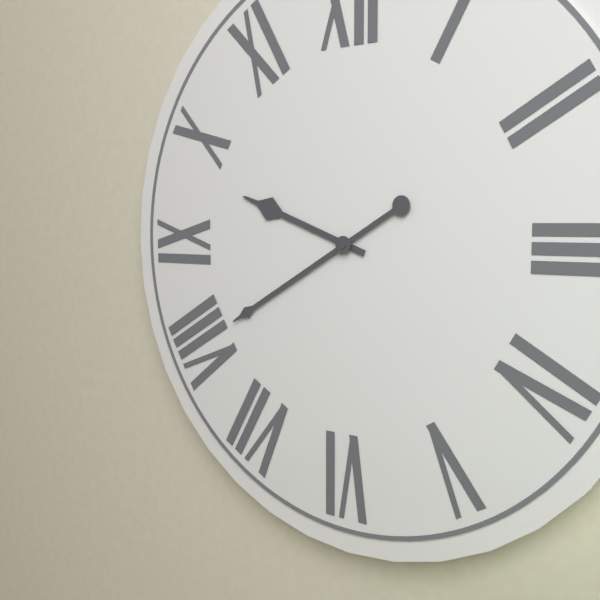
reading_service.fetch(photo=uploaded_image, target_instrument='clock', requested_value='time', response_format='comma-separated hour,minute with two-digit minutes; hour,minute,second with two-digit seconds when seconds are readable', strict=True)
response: 9,40
